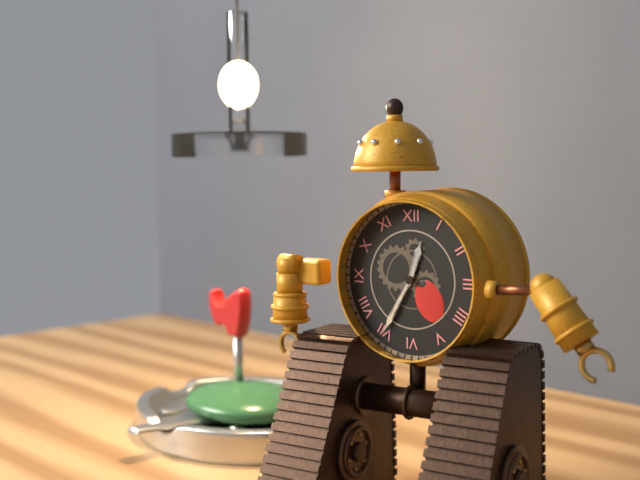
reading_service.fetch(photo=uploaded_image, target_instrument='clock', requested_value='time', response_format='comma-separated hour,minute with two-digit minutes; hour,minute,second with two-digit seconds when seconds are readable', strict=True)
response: 12,35
